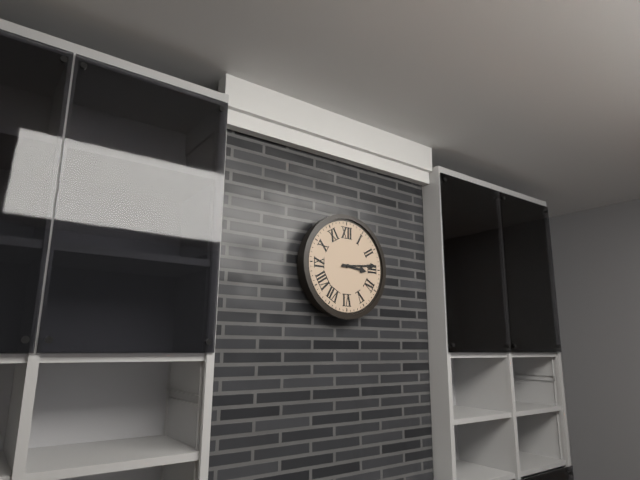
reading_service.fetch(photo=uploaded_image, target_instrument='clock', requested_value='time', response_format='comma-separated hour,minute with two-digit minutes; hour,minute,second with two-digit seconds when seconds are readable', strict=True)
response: 3,14
